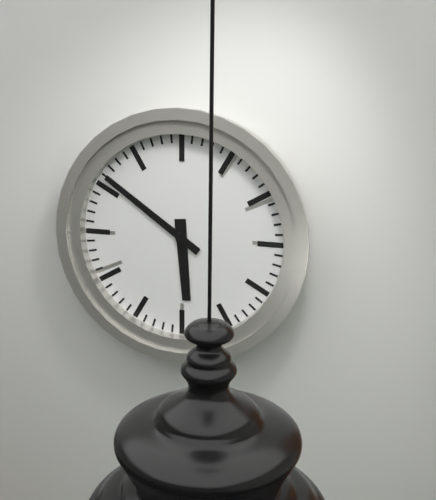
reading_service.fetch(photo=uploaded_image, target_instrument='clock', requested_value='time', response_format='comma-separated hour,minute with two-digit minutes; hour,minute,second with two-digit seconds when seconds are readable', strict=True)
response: 5,51
